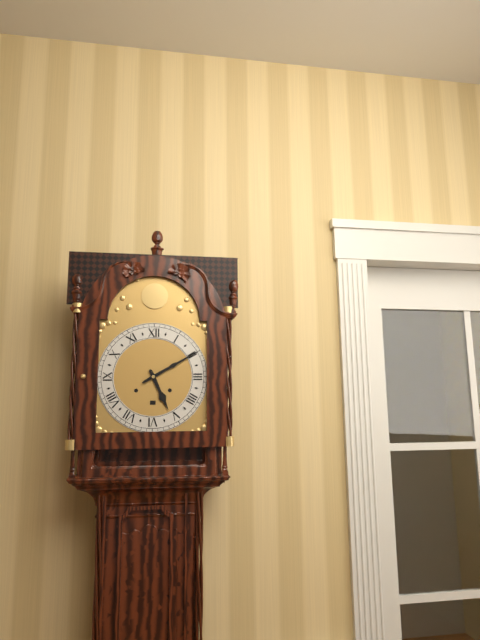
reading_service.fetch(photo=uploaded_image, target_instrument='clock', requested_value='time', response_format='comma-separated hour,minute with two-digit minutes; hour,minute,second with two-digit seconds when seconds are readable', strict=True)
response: 5,10
